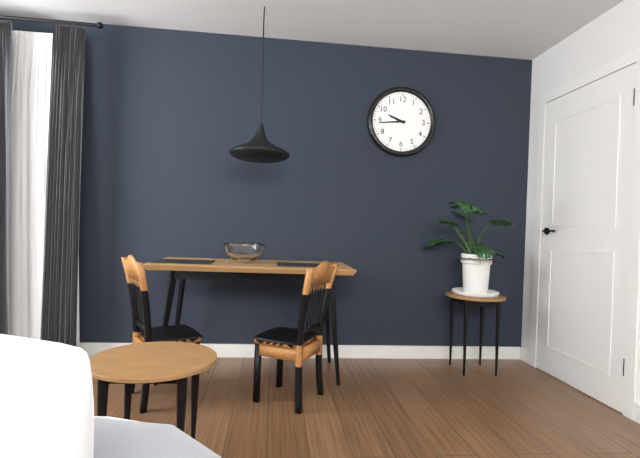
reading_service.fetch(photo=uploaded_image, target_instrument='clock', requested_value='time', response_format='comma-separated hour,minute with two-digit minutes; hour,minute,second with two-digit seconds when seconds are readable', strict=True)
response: 9,44
